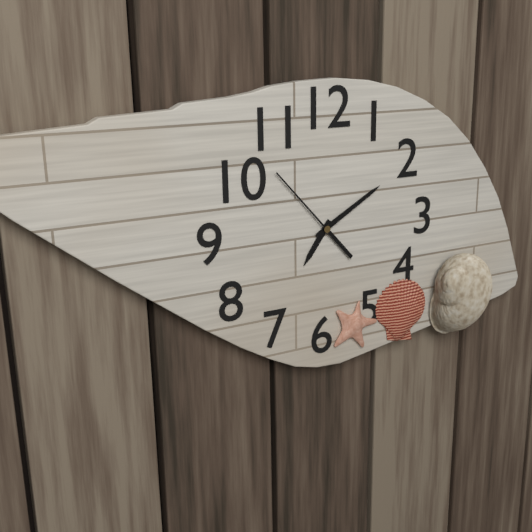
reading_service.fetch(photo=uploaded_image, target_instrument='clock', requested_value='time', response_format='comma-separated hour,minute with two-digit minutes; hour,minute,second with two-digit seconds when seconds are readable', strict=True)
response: 7,10,53
